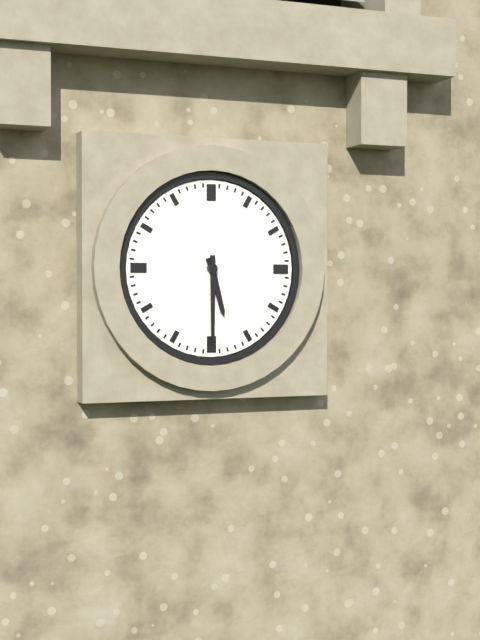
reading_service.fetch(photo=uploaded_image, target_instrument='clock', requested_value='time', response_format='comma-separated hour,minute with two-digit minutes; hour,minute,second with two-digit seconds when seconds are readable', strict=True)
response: 5,30
